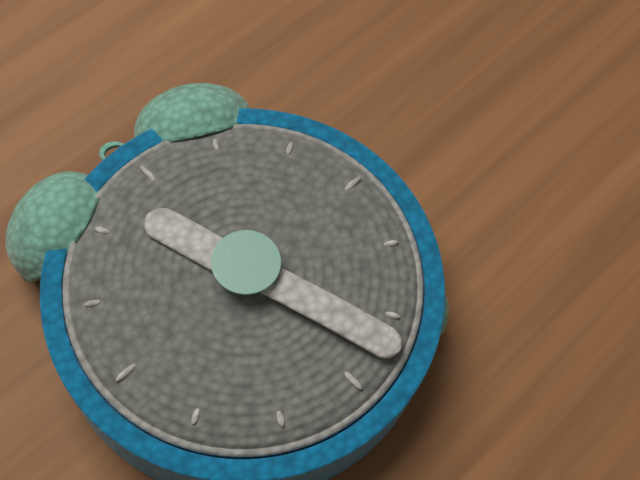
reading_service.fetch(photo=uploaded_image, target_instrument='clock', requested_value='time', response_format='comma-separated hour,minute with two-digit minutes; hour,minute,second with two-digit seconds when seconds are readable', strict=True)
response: 11,27
